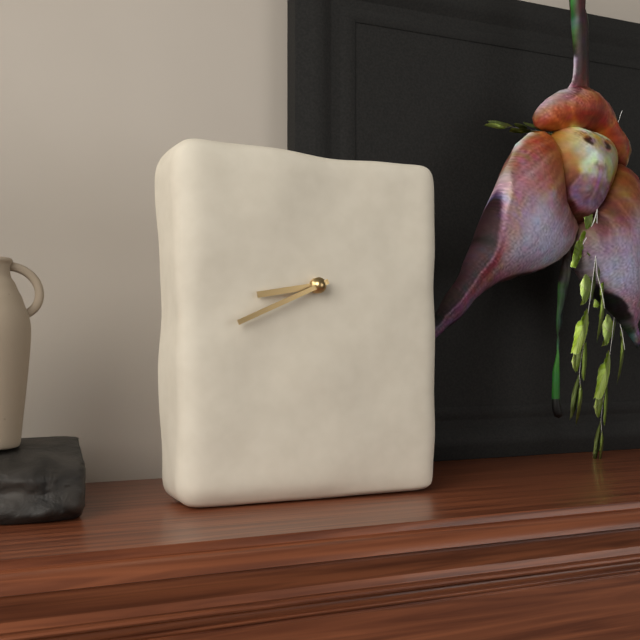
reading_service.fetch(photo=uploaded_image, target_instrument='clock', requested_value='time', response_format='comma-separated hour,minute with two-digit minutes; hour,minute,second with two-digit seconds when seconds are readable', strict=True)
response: 8,41
